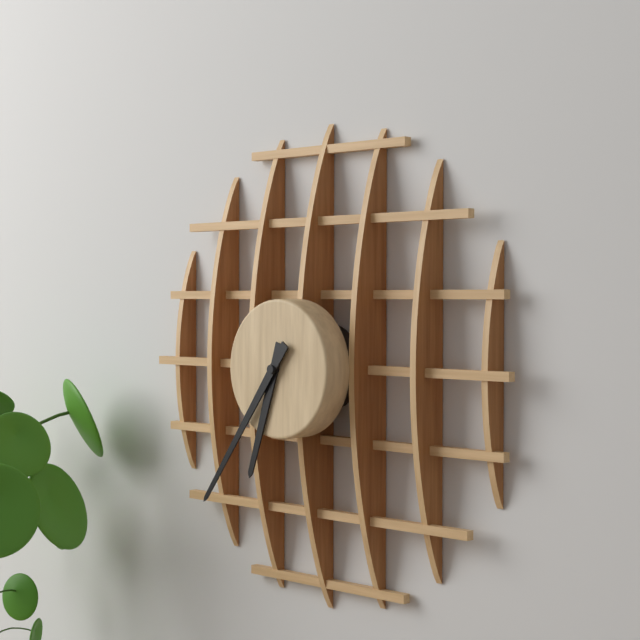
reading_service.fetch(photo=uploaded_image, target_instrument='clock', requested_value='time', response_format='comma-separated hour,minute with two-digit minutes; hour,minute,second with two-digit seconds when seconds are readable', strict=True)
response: 6,36
